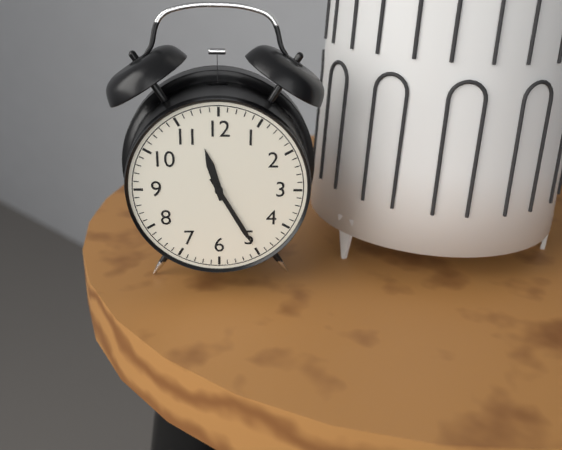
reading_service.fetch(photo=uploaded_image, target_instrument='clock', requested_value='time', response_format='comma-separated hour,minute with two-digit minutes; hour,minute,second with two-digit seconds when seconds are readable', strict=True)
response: 11,25
